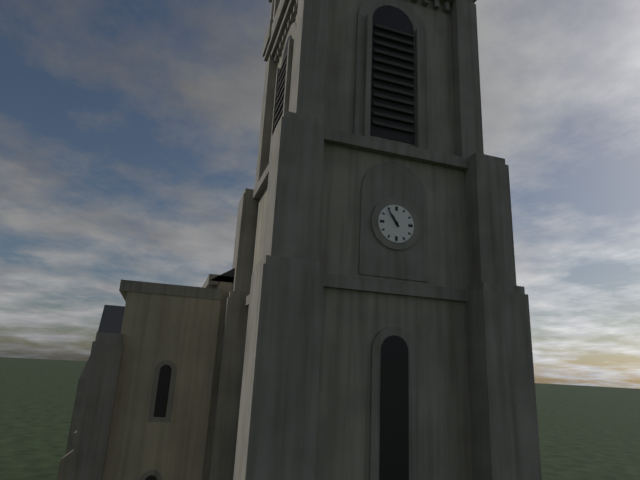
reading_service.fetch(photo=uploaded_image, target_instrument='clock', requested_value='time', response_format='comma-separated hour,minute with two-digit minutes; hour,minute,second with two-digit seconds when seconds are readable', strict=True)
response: 10,54
